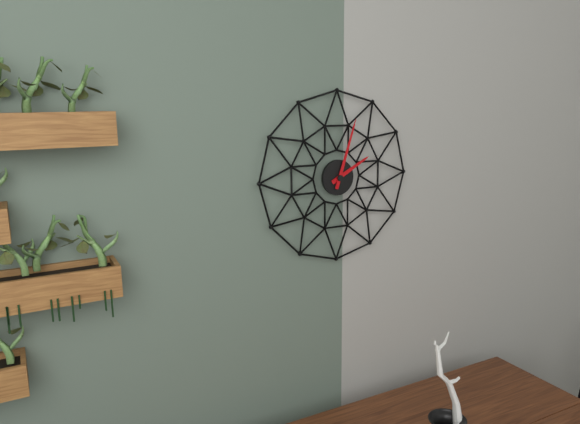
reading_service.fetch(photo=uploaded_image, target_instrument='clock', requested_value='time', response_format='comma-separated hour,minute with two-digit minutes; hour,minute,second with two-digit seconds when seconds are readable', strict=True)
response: 2,03
